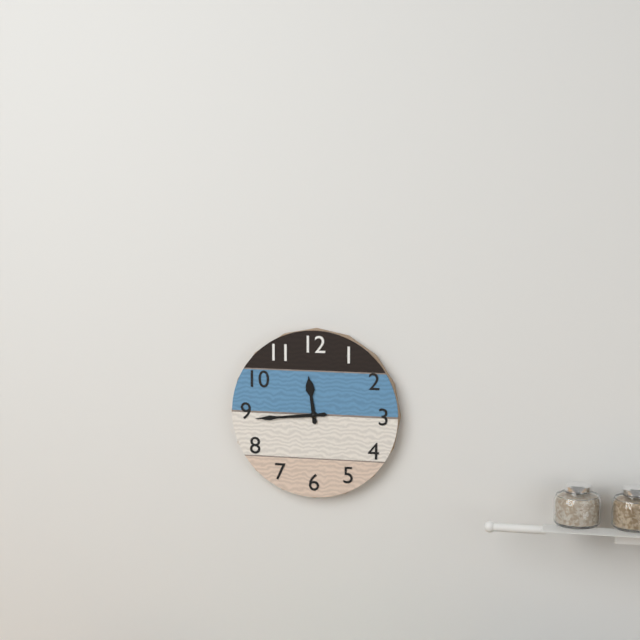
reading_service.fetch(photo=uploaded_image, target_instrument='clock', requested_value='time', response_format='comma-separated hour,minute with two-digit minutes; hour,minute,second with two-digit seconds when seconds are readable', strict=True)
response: 11,44
